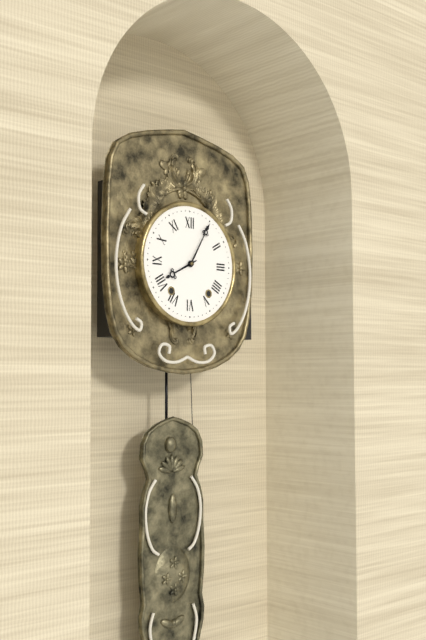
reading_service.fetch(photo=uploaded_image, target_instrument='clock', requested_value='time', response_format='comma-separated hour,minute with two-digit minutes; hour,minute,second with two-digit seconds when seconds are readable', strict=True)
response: 8,05
